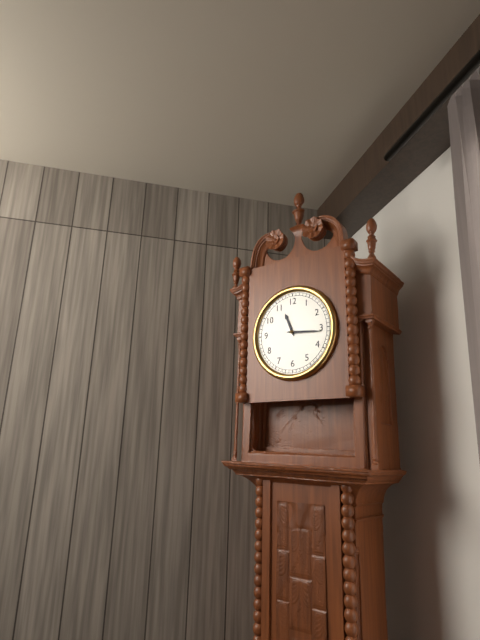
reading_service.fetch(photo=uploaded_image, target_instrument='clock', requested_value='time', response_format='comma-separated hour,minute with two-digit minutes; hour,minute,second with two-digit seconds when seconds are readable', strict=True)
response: 11,16
